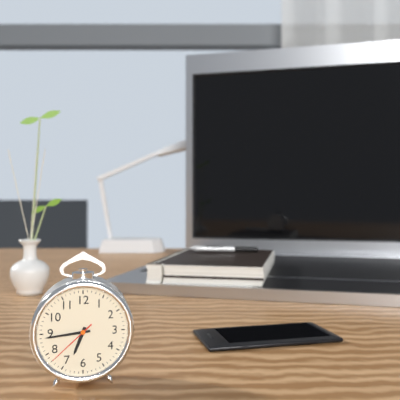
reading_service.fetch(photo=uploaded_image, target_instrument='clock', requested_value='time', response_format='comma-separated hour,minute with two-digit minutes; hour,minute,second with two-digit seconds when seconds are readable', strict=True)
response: 6,44,38
